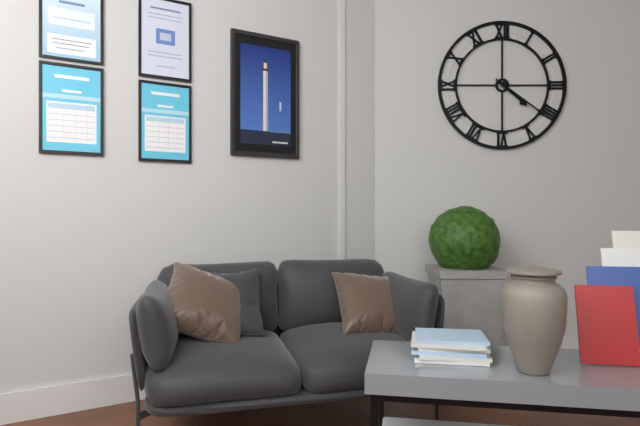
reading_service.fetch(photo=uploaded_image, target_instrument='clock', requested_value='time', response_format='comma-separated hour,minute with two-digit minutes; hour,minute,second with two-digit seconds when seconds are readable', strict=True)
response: 4,21
